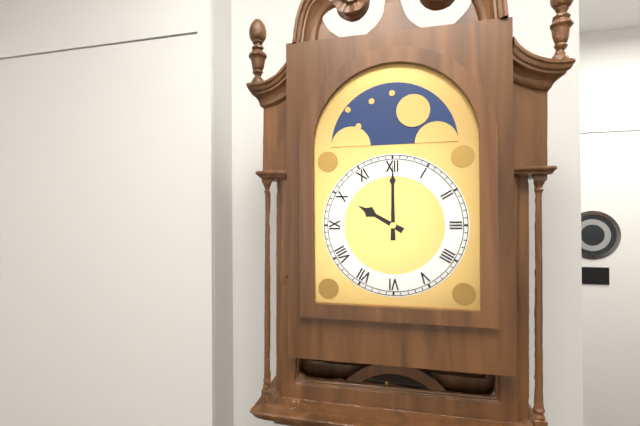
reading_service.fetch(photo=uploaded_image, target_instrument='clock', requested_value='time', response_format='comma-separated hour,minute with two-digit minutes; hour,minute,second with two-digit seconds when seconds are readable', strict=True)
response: 10,00
